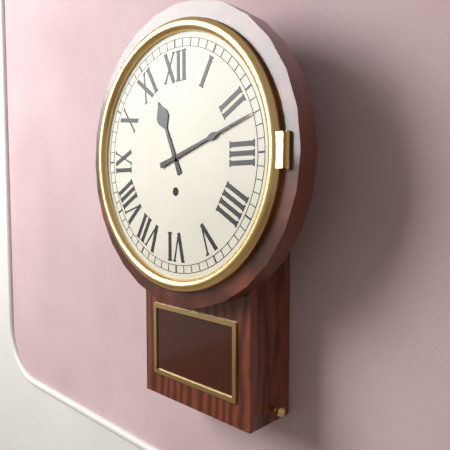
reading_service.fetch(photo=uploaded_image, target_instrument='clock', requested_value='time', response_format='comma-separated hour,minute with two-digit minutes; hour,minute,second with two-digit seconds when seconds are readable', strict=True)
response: 11,12
